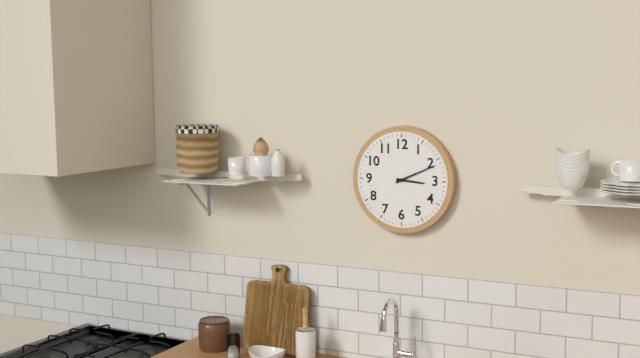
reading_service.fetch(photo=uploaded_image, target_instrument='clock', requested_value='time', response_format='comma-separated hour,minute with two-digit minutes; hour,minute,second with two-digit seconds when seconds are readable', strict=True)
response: 3,11
